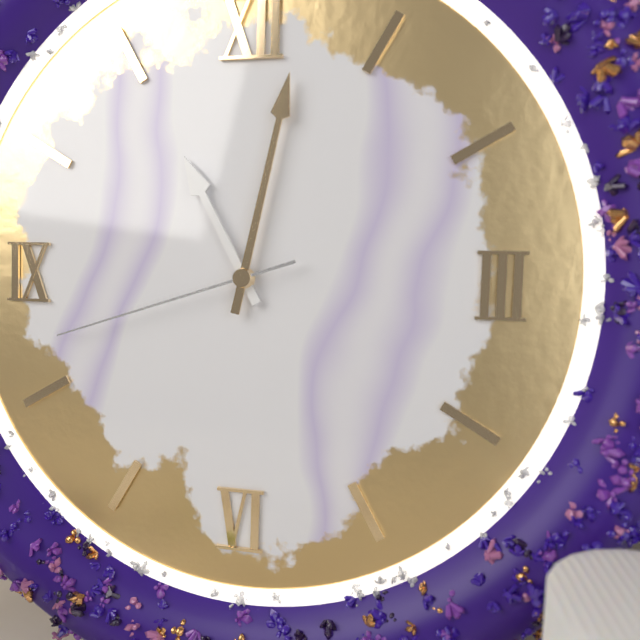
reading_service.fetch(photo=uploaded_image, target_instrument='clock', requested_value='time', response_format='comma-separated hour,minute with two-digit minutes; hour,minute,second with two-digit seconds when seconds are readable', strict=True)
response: 11,02,42
